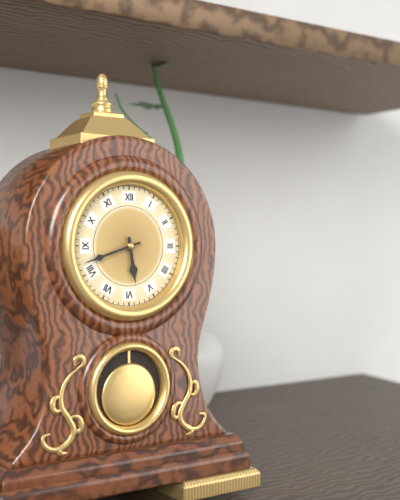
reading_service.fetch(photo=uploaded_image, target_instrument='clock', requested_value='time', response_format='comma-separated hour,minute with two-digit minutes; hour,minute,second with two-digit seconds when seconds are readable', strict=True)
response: 5,42
